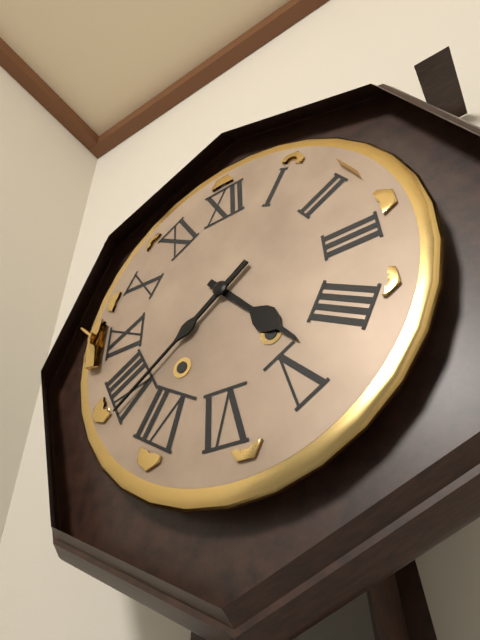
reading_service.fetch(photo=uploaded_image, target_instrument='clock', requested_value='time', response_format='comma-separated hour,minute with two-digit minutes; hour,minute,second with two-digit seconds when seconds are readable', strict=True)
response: 4,39
